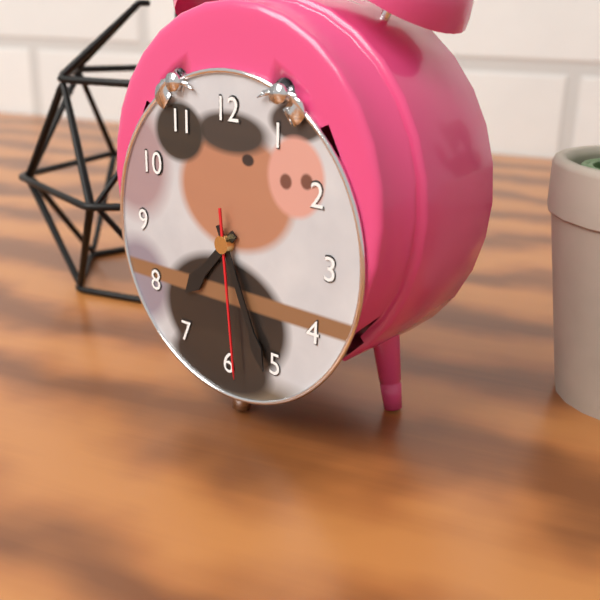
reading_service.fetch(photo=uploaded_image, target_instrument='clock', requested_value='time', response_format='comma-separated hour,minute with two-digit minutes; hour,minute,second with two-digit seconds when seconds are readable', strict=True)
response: 7,26,29
